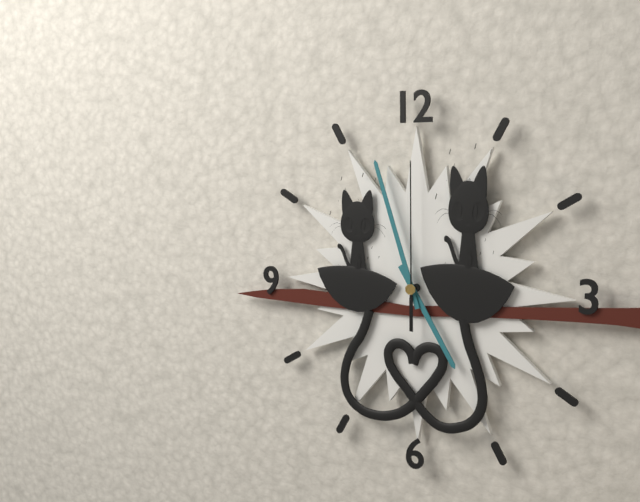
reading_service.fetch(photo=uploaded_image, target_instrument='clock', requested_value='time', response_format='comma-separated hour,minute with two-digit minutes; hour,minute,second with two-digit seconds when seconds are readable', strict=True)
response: 4,57,00
